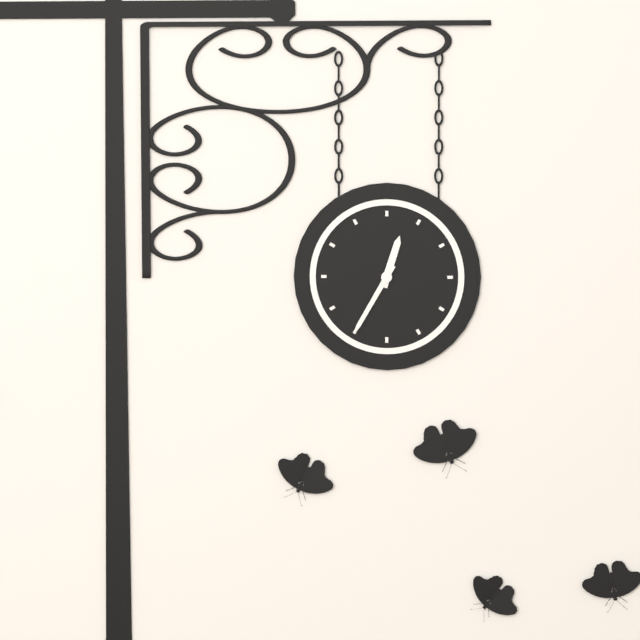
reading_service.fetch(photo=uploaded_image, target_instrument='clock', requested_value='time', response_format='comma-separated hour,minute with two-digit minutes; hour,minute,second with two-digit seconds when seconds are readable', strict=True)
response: 12,35
